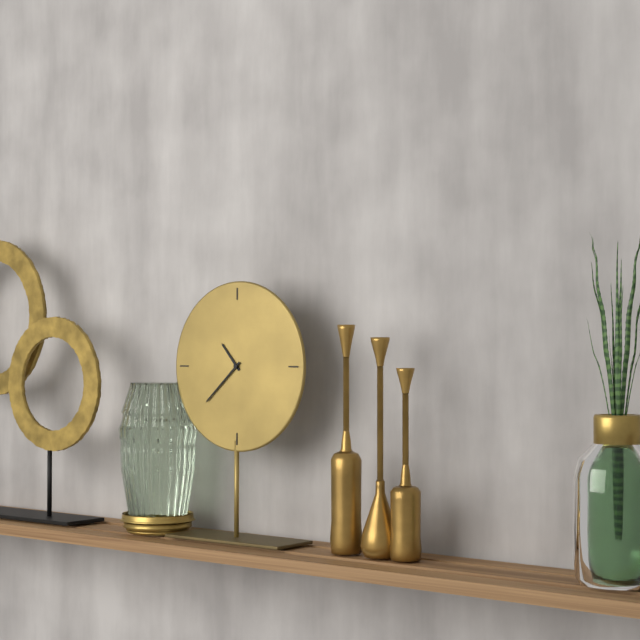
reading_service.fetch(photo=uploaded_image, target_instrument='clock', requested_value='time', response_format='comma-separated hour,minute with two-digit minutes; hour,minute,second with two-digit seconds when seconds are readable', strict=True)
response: 10,38
